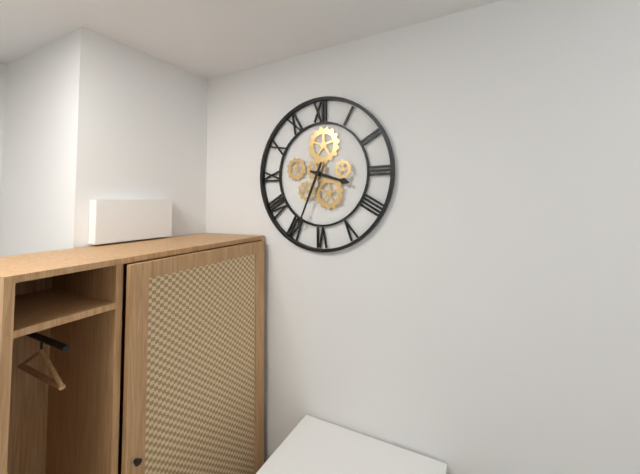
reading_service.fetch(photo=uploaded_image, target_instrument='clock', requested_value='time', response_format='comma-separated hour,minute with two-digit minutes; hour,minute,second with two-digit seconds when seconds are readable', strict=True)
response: 3,34
